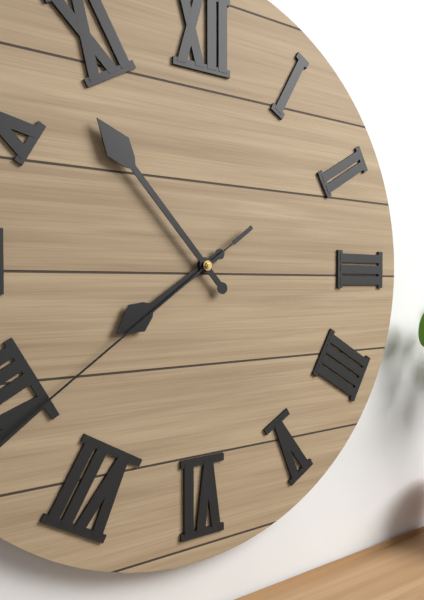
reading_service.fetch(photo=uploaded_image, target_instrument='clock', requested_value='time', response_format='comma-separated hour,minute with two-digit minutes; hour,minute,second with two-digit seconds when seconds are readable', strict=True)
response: 7,53
